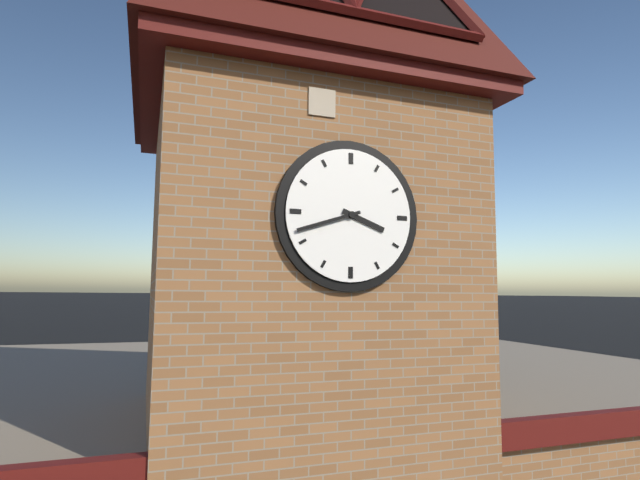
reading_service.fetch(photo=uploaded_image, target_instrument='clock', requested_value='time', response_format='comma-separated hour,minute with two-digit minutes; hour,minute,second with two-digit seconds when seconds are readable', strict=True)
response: 3,42
